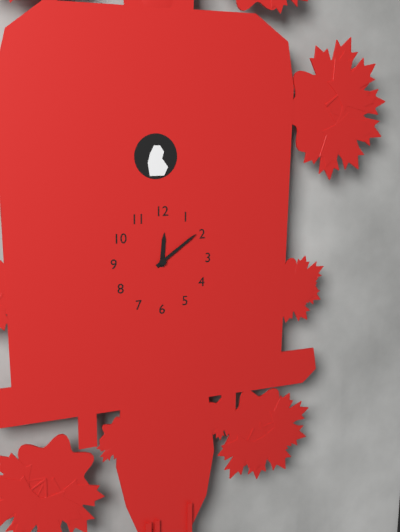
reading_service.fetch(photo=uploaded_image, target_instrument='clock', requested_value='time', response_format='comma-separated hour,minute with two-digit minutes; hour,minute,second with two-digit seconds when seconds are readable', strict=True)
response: 12,09
